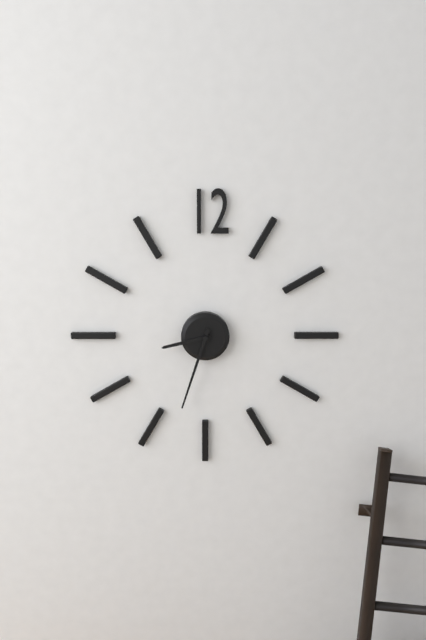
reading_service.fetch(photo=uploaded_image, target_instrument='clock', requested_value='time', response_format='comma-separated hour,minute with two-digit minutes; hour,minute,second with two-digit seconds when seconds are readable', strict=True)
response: 8,33
